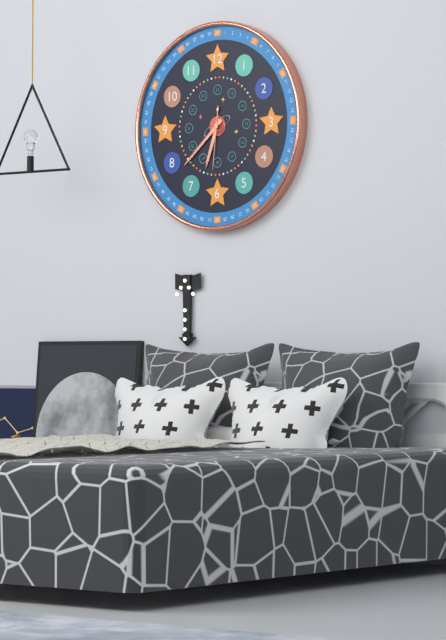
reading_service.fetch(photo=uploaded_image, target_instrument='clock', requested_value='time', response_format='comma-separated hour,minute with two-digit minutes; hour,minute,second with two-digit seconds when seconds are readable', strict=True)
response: 6,38,31
